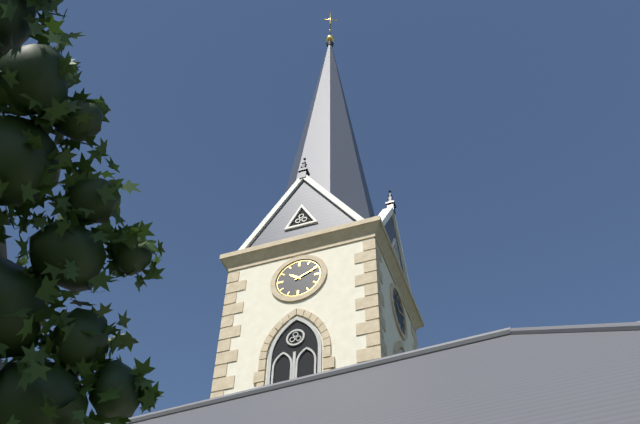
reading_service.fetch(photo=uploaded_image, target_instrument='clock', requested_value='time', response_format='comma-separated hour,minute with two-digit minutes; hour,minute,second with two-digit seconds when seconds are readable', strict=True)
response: 10,11
